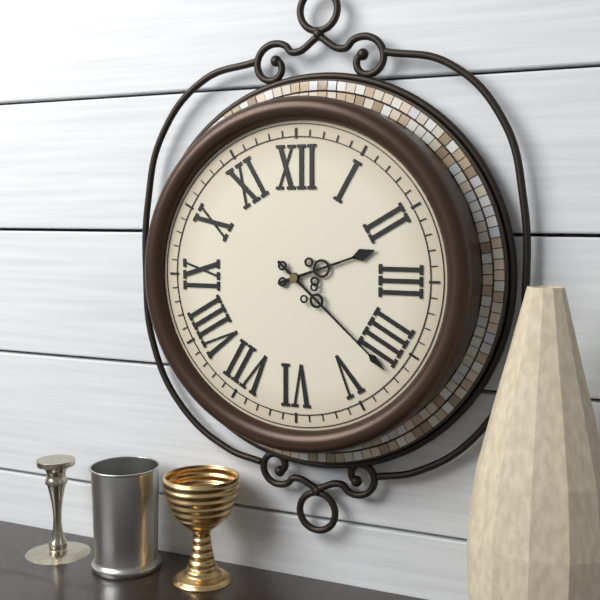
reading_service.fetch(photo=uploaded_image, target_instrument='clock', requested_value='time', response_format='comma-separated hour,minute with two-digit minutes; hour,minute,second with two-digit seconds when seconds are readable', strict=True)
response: 2,22
